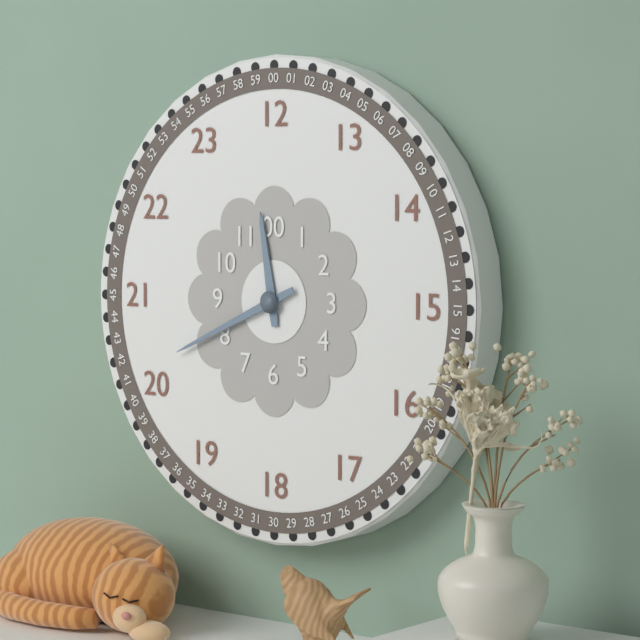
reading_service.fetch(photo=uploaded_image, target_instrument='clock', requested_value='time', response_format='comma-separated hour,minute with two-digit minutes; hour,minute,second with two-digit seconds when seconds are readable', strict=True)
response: 11,41
